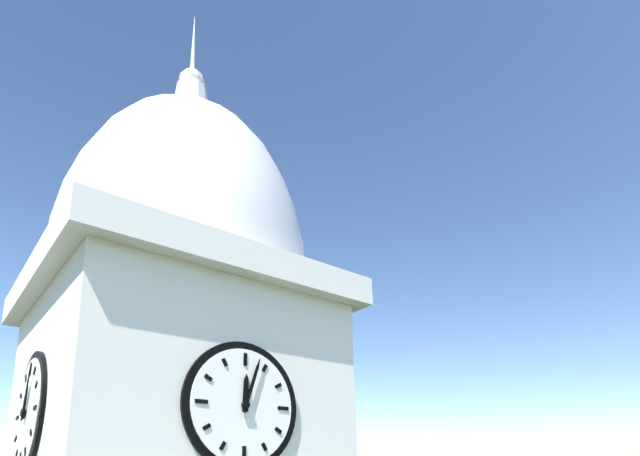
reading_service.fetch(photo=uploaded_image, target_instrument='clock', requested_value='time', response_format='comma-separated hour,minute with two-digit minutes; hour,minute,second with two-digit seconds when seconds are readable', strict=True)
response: 12,03
